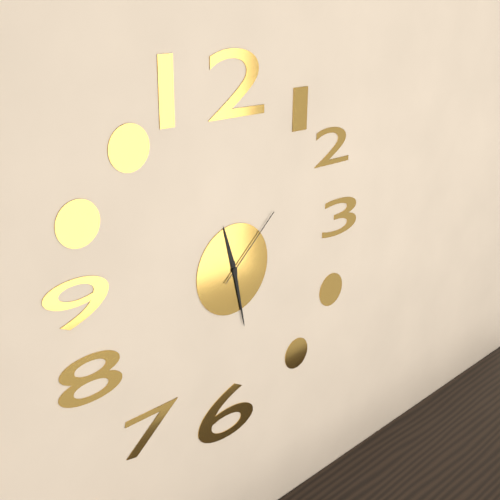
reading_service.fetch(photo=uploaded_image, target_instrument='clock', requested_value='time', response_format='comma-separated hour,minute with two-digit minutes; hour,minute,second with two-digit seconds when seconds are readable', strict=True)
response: 11,28,08
